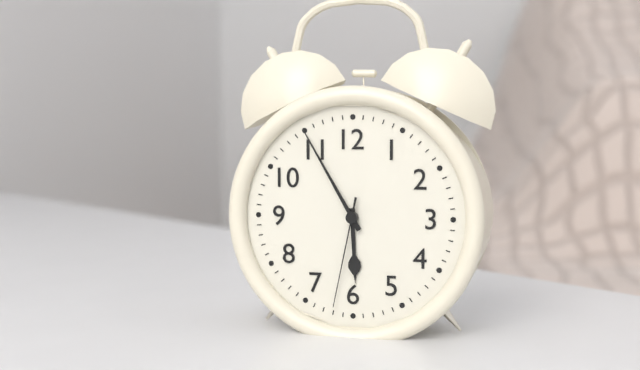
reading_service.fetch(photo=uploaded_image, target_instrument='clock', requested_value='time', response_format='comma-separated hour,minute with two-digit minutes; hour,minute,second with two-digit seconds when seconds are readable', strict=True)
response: 5,55,32
